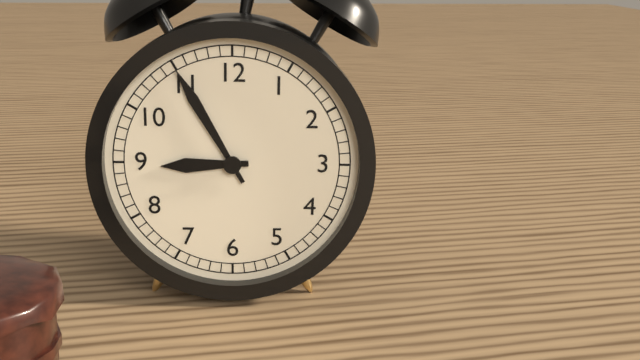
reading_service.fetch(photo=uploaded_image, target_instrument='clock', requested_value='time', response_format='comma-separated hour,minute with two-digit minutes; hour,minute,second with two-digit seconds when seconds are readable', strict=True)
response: 8,55
